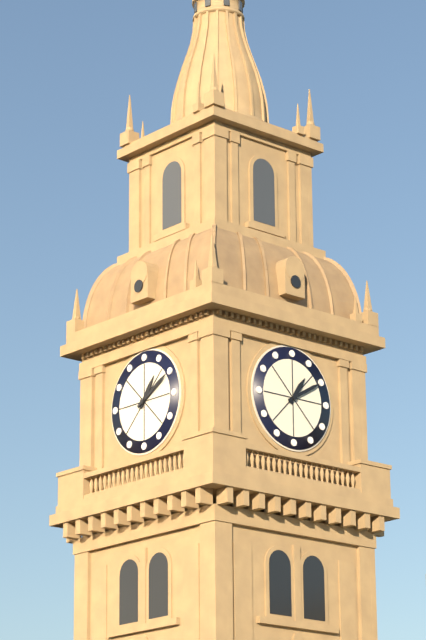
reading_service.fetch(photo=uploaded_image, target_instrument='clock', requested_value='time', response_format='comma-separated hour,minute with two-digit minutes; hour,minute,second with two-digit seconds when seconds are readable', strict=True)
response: 1,10
